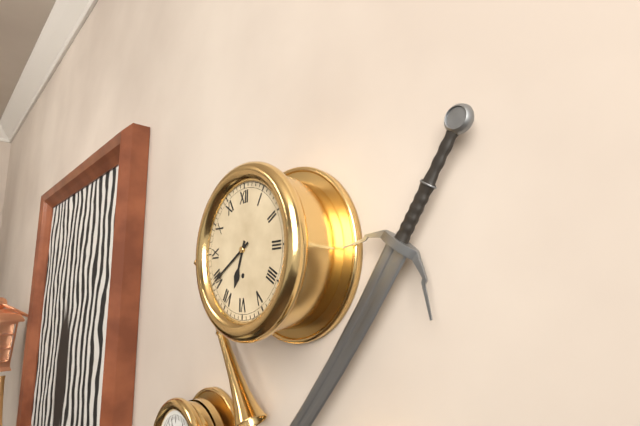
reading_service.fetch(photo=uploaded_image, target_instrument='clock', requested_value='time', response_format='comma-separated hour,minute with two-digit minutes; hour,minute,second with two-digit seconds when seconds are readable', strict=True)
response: 6,40
